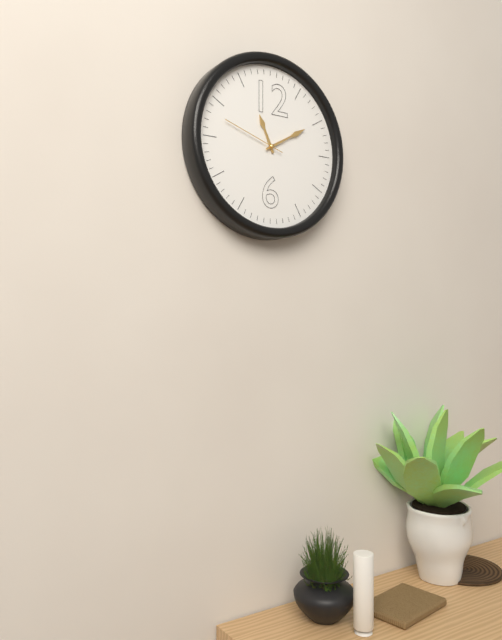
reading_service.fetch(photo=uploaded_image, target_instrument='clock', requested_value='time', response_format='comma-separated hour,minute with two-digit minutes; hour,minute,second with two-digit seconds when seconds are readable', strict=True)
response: 11,10,48
